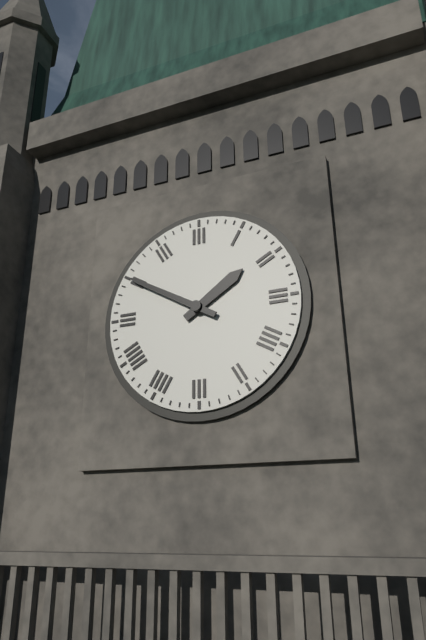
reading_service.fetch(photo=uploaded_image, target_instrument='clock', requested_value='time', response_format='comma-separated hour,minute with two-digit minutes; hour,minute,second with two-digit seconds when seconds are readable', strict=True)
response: 1,50
